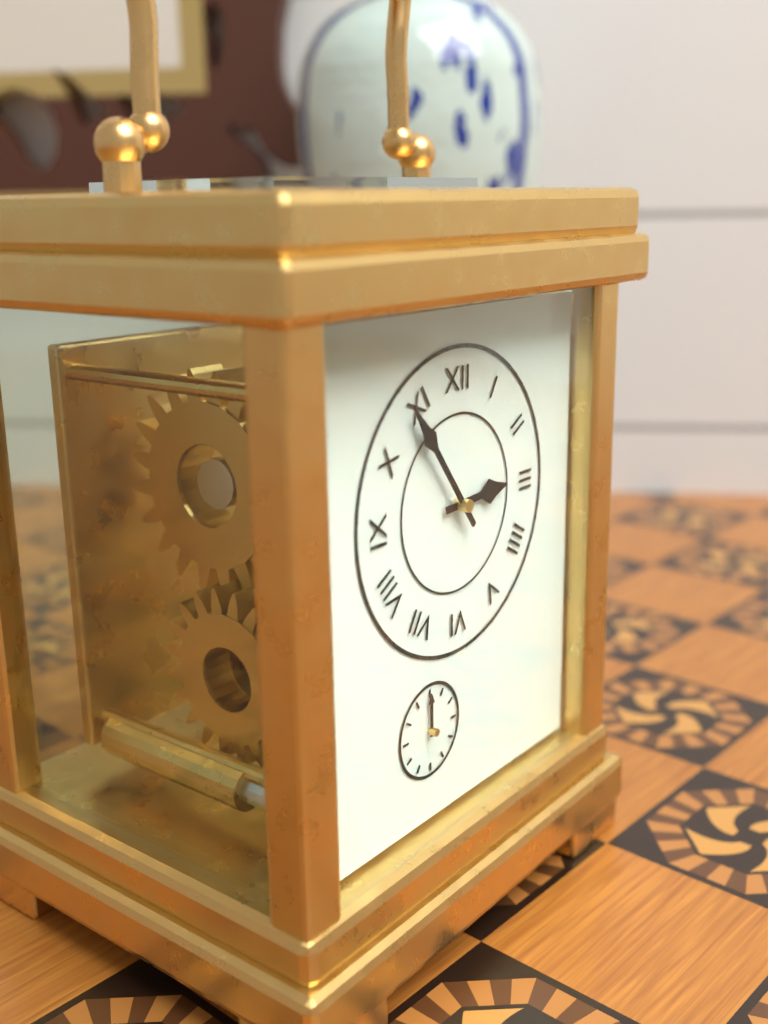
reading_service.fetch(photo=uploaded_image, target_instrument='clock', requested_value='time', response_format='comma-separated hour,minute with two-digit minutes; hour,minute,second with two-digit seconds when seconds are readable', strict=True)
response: 2,54
